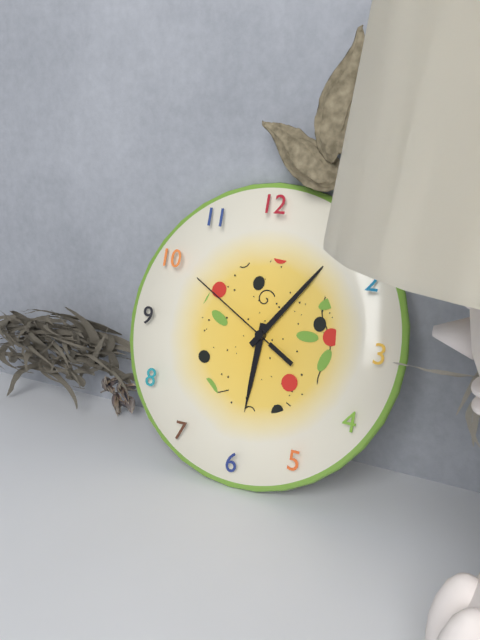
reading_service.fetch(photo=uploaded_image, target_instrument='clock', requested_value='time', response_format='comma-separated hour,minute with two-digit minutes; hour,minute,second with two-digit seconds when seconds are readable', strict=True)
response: 6,06,50
